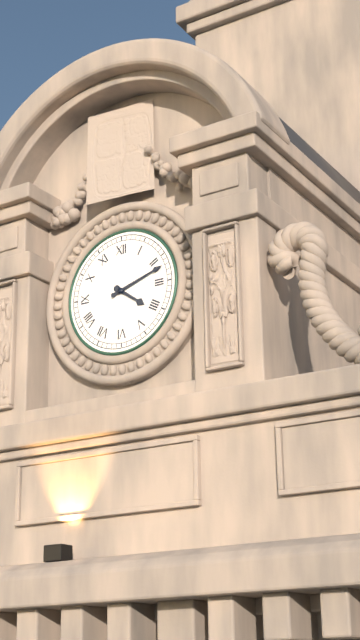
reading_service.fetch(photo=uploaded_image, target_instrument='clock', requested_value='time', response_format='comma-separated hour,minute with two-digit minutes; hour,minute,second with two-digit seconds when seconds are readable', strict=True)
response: 4,12
